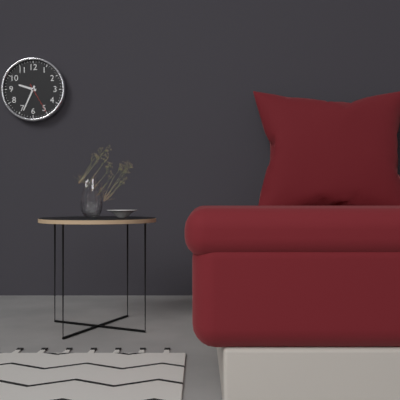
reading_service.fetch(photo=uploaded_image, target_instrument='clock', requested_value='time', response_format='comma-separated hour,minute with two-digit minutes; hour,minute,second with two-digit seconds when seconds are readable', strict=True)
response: 9,34
